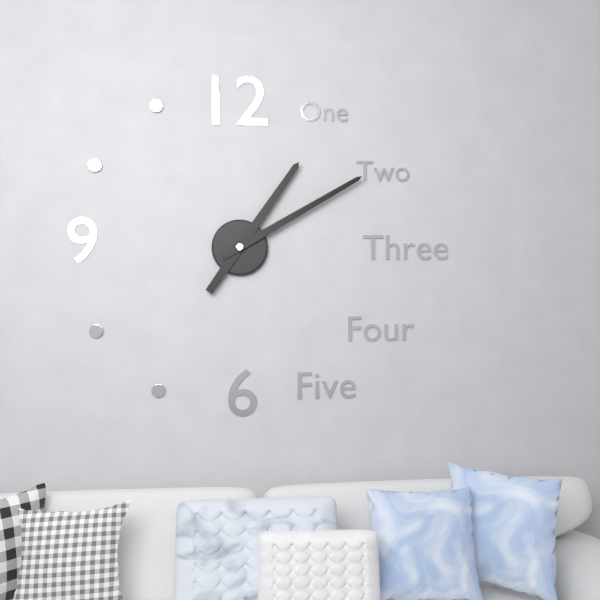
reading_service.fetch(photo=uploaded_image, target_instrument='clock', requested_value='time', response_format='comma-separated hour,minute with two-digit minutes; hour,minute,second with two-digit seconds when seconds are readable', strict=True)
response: 1,10
